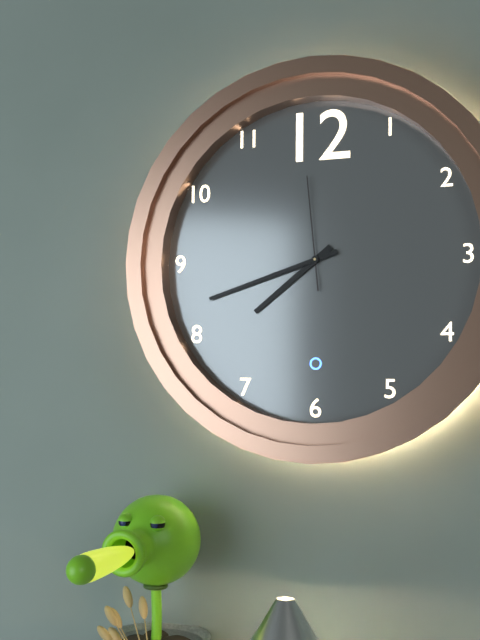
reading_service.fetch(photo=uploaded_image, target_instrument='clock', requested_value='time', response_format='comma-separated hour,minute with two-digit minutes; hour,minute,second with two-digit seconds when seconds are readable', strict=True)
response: 7,42,59
